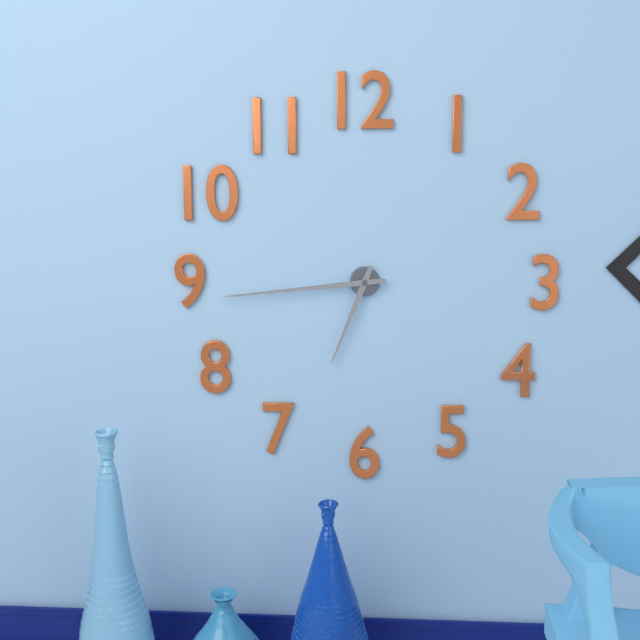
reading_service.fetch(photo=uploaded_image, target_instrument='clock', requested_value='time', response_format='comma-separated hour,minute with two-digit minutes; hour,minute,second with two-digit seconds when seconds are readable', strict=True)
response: 6,44
